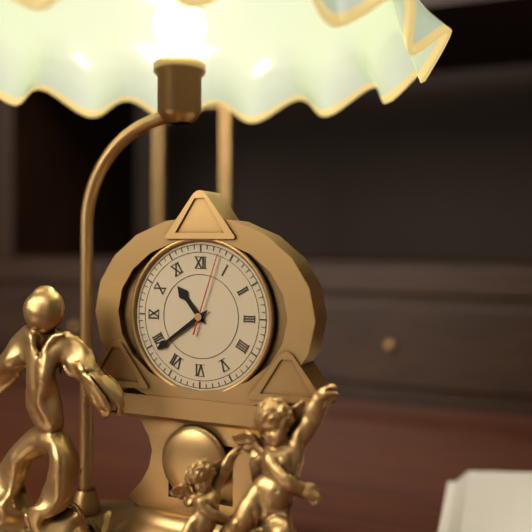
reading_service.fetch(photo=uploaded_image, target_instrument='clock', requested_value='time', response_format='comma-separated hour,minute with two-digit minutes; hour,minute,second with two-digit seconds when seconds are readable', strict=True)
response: 10,39,03
